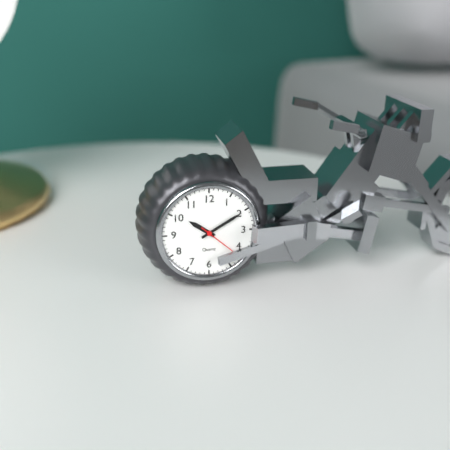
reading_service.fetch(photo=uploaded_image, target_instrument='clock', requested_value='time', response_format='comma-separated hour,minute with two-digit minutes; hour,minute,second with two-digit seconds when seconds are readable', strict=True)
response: 10,10
